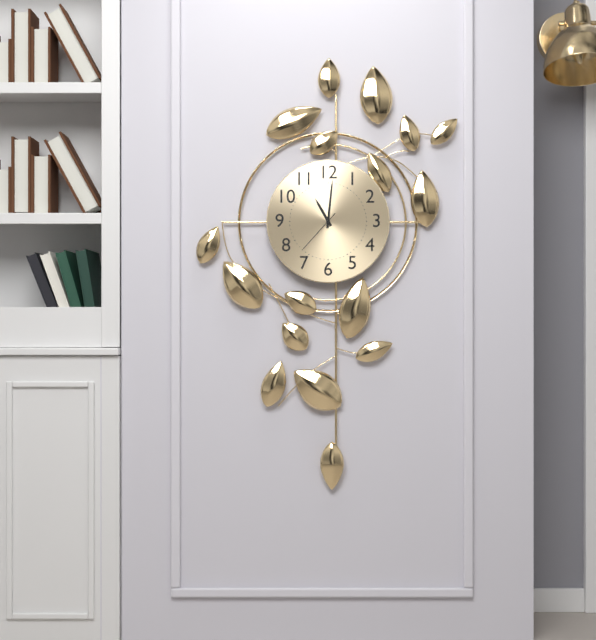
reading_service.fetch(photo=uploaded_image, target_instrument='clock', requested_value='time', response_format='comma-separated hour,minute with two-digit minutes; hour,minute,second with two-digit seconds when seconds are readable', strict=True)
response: 11,01
